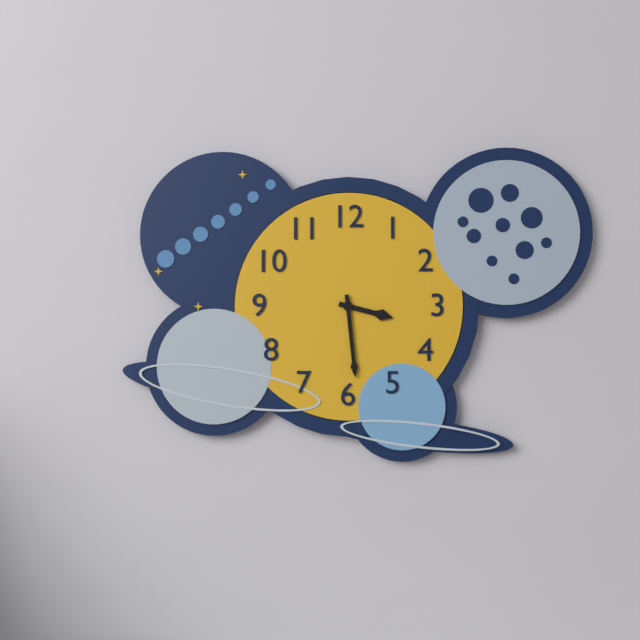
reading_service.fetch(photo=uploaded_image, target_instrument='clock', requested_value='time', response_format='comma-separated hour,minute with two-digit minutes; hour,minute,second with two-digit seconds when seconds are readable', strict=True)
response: 3,29
